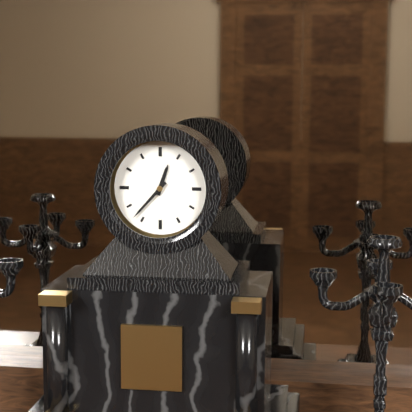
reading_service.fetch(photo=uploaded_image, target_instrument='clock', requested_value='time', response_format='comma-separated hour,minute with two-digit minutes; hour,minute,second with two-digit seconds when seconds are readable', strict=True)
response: 12,37
